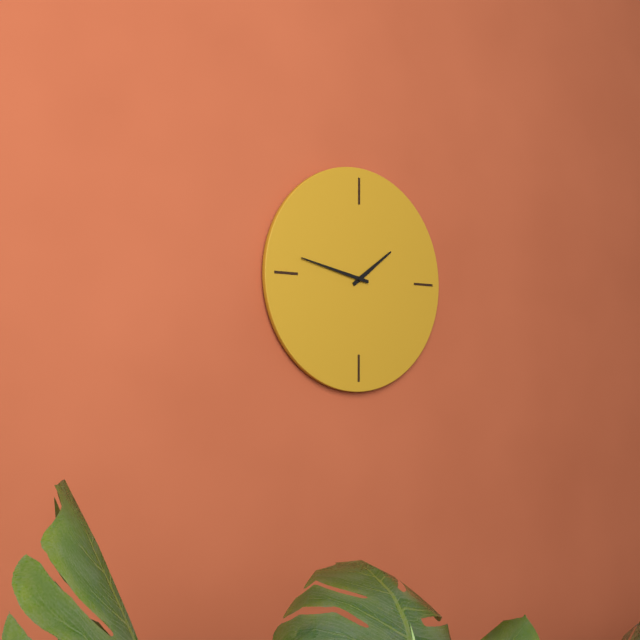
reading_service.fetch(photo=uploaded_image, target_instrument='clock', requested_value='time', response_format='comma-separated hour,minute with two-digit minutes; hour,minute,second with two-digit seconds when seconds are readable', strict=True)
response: 1,47
